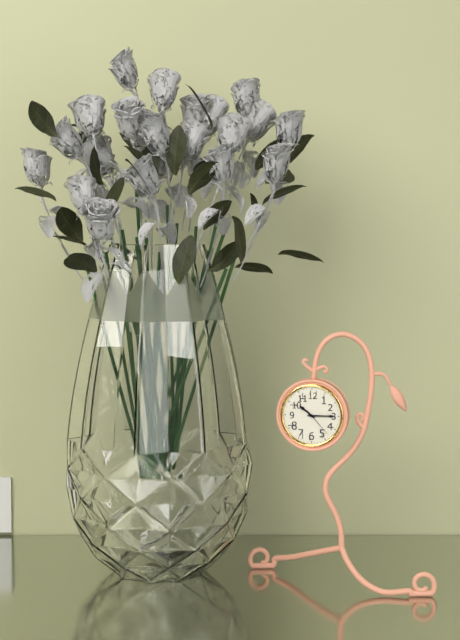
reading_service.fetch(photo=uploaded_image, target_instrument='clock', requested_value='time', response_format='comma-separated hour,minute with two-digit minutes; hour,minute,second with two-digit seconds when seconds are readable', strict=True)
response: 10,15
